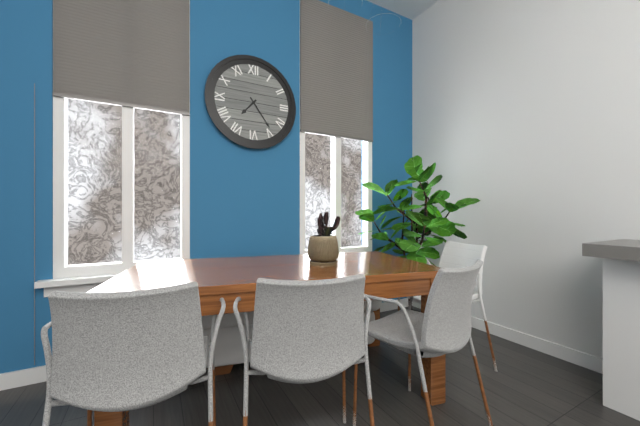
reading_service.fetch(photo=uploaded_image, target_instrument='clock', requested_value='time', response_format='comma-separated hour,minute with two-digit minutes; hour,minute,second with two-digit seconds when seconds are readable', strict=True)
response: 7,24
